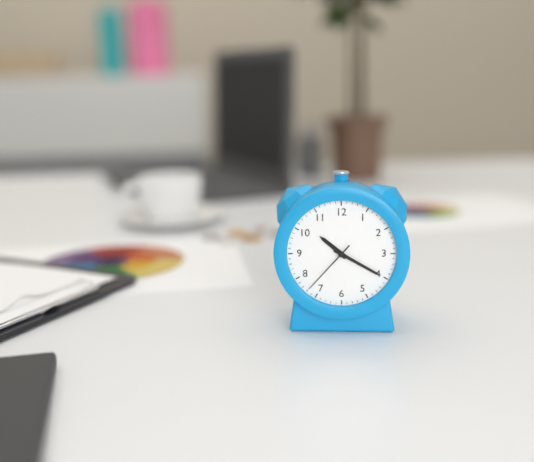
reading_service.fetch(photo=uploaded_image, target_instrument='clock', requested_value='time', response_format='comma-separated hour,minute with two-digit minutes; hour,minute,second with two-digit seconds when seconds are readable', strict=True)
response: 10,20,37
